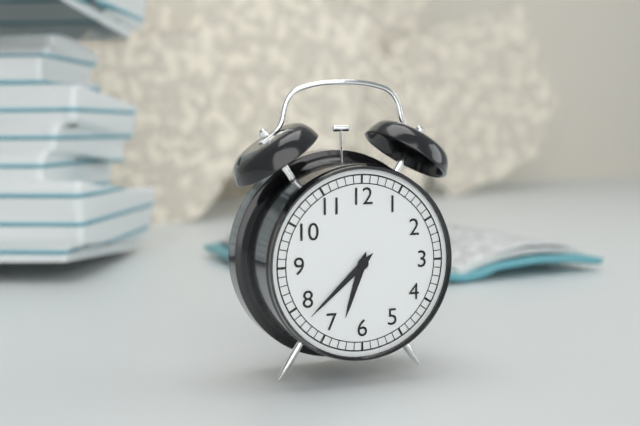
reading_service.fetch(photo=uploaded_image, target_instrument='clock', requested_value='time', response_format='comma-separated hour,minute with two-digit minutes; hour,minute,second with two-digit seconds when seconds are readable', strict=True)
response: 6,38
